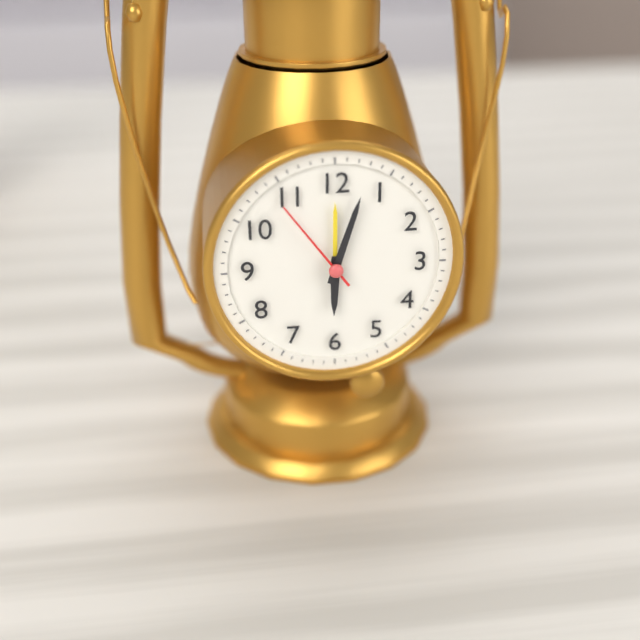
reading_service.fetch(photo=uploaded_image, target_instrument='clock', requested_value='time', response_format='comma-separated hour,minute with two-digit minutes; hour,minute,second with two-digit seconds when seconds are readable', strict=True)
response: 6,03,54
